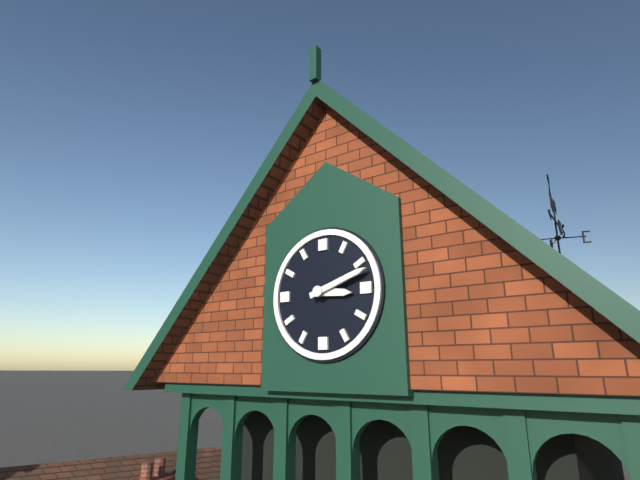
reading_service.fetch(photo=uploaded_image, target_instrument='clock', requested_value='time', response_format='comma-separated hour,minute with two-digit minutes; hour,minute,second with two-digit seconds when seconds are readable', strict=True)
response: 3,12
